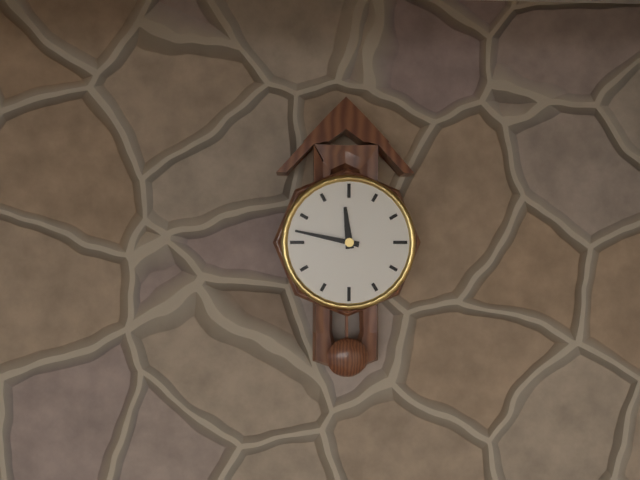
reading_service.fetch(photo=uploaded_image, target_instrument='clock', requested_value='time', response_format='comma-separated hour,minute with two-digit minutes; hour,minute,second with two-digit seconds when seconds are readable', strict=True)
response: 11,47
